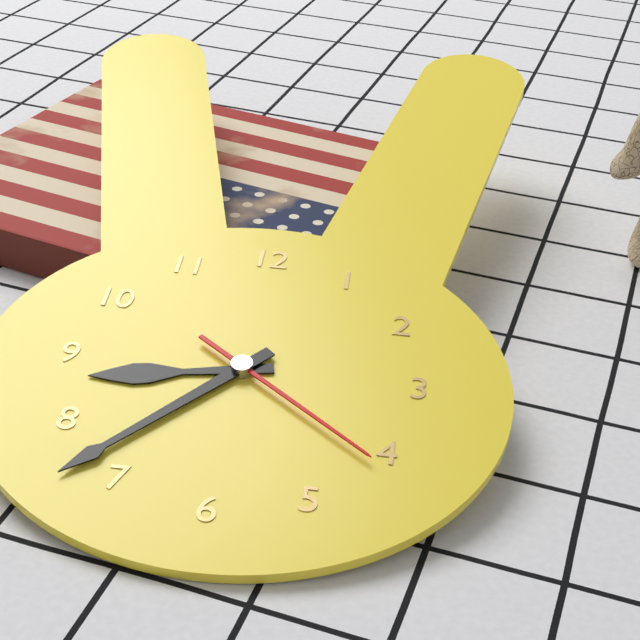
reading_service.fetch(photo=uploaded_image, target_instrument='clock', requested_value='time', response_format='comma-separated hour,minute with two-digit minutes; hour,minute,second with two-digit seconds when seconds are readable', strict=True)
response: 8,37,21
